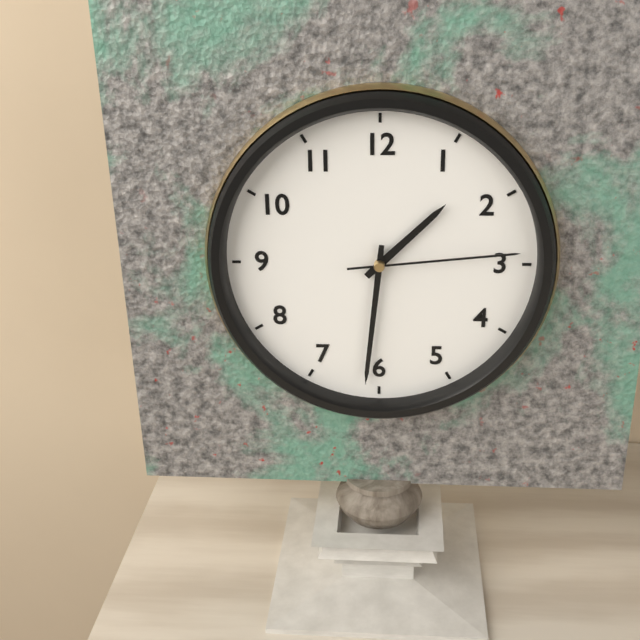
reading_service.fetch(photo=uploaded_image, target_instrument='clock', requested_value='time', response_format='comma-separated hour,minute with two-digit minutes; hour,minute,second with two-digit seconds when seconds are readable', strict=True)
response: 1,31,14
